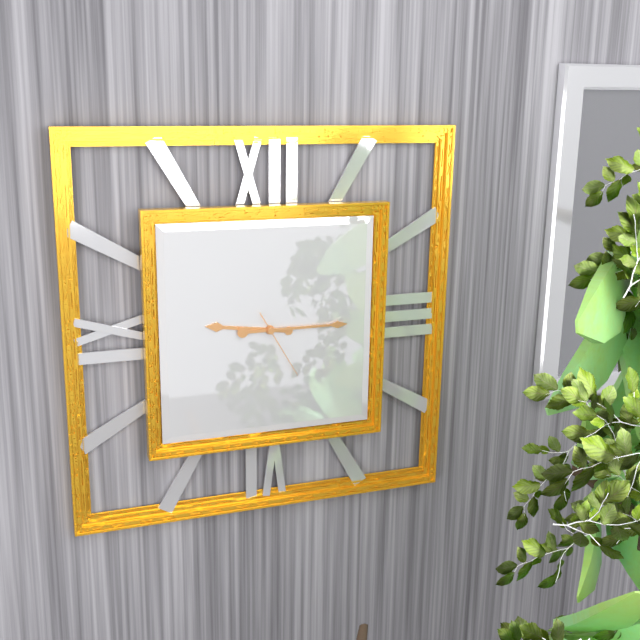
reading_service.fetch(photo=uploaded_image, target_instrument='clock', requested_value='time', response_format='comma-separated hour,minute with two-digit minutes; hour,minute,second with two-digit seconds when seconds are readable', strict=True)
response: 9,15,25
